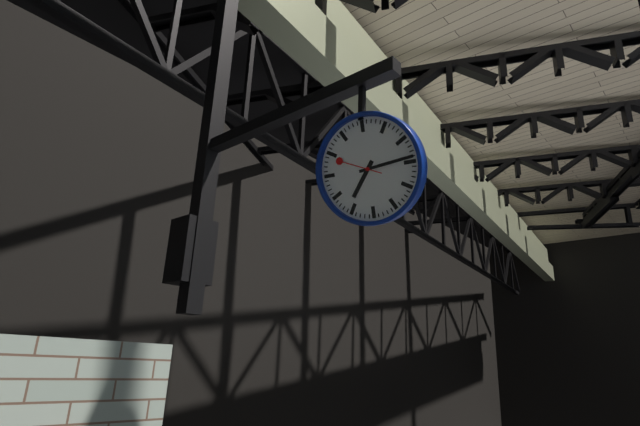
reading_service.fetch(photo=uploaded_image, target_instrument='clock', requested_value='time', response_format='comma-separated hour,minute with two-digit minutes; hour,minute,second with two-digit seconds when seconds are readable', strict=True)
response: 7,14
